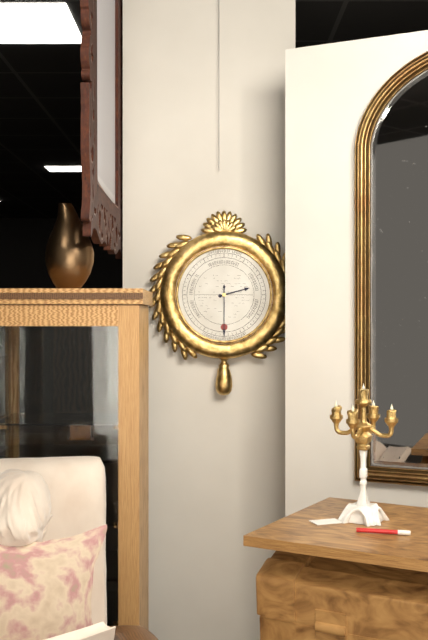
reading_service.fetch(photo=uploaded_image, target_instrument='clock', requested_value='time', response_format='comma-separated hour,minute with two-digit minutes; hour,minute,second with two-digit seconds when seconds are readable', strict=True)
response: 2,30
